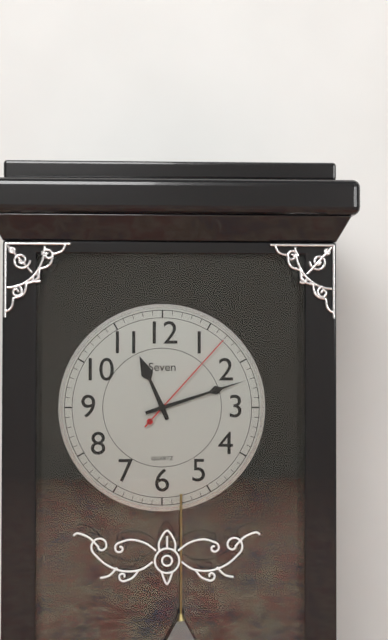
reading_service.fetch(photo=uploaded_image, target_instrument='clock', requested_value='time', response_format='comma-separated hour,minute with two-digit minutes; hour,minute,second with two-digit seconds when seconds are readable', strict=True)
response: 11,12,07
